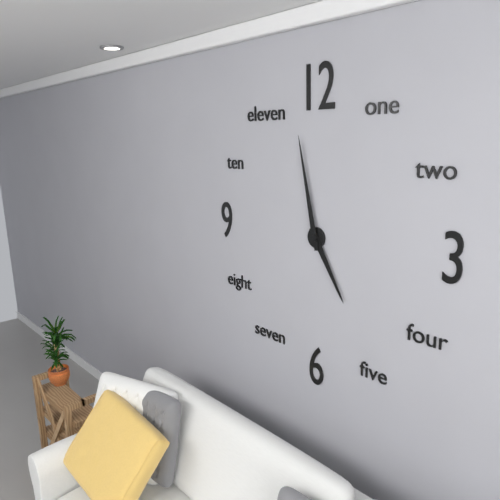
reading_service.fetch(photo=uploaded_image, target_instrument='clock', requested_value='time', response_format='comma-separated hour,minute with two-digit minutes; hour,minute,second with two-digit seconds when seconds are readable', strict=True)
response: 4,58
